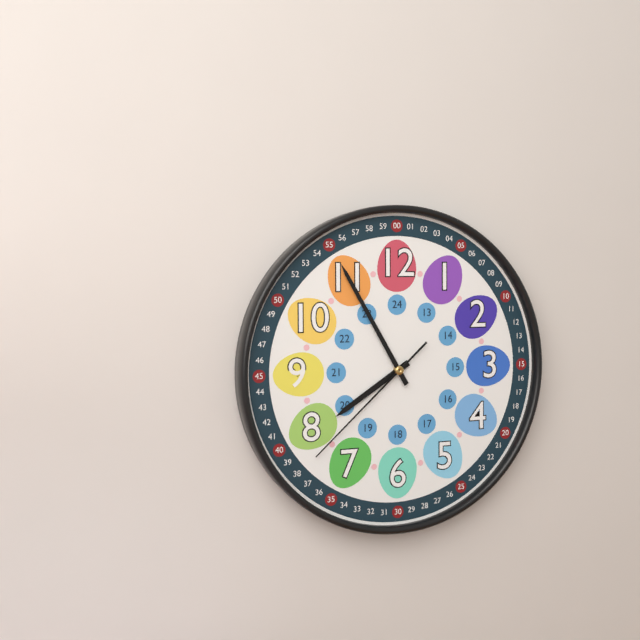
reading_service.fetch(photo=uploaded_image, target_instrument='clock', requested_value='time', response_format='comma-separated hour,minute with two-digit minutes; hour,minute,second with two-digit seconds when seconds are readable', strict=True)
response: 7,55,38
